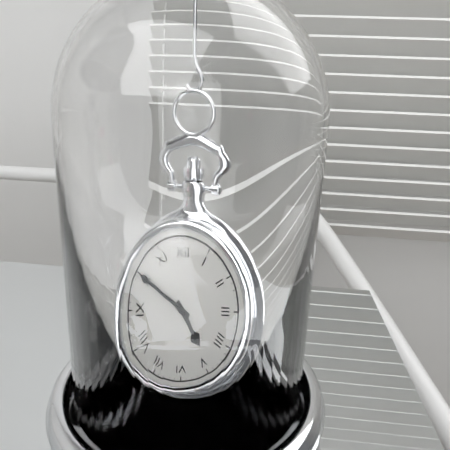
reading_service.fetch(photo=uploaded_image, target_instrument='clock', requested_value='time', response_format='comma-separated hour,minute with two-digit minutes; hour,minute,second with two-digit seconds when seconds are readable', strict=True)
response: 4,50
